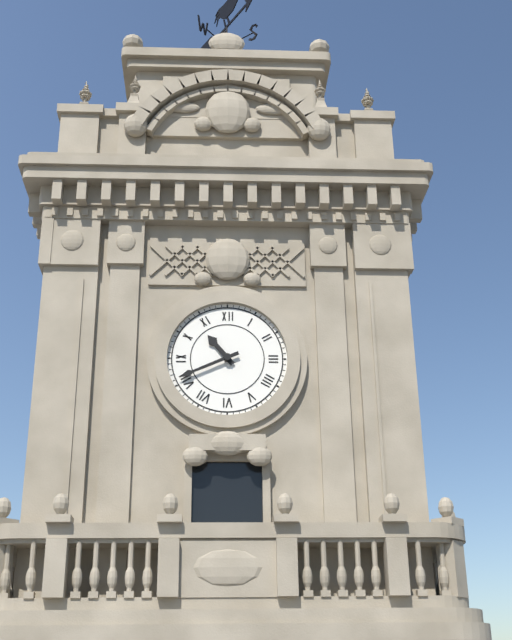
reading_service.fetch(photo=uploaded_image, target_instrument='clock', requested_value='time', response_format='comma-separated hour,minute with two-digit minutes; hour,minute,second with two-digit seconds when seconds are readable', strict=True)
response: 10,41
